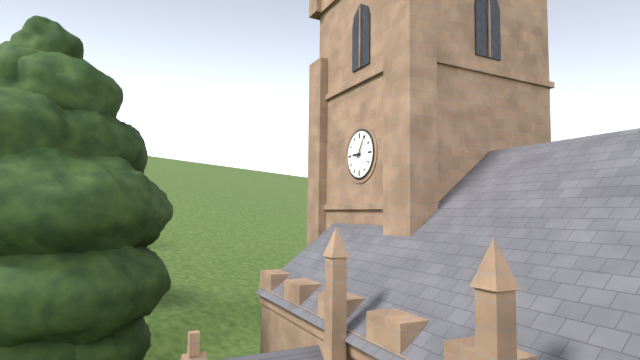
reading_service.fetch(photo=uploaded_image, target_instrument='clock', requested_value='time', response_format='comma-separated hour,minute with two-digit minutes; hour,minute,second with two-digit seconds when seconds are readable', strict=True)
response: 9,05
